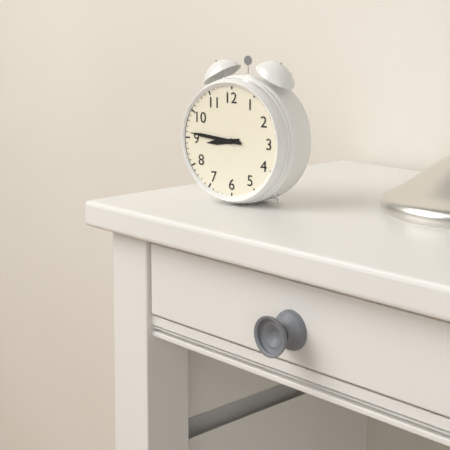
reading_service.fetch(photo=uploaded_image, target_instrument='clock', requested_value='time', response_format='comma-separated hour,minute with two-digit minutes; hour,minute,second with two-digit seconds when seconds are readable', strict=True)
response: 8,46
